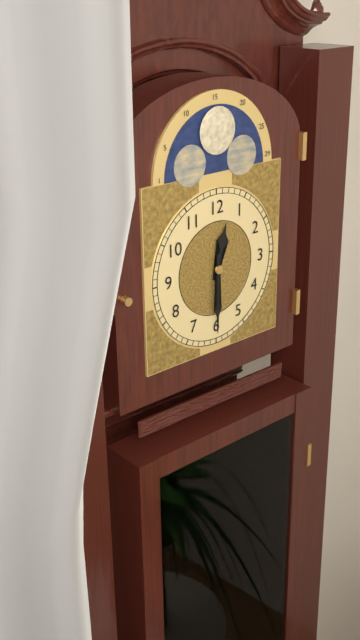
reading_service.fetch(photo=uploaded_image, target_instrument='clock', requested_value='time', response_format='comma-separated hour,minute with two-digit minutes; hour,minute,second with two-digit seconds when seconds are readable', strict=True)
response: 12,30
